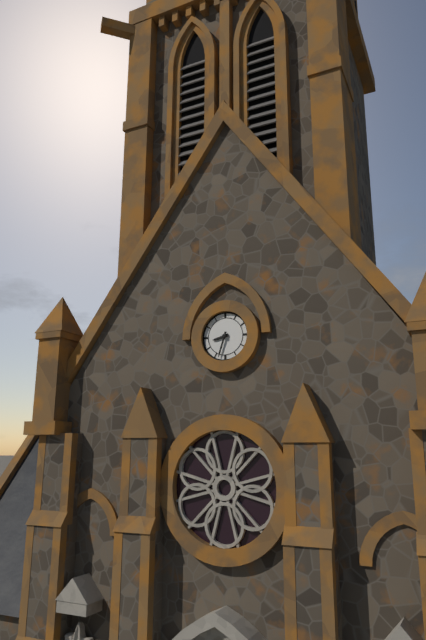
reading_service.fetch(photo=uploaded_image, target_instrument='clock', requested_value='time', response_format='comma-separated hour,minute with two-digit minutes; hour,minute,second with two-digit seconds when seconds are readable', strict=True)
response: 8,33
